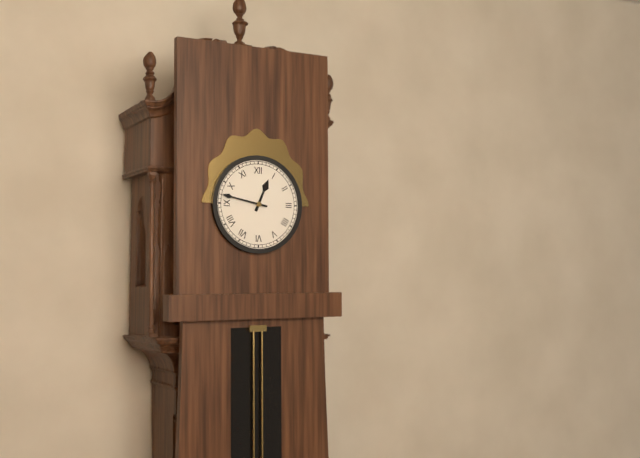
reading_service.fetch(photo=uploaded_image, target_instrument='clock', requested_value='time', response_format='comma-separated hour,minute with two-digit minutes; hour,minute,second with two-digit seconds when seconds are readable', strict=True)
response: 12,47
